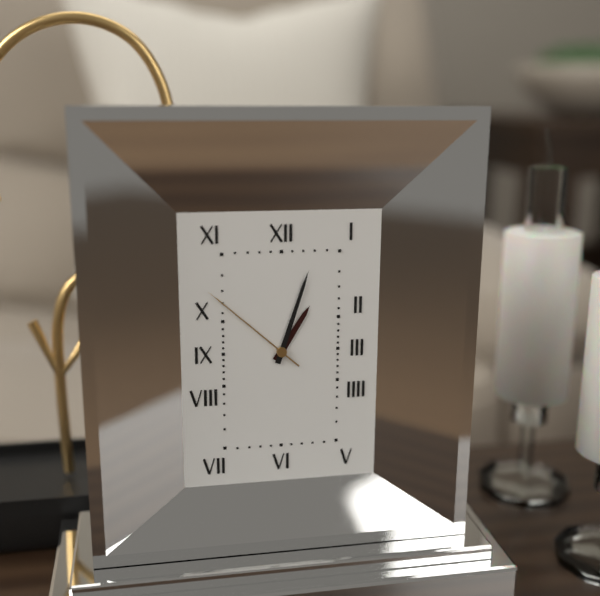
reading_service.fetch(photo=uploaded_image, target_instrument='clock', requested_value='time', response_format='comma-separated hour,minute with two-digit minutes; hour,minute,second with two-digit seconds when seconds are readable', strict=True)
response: 1,03,52
